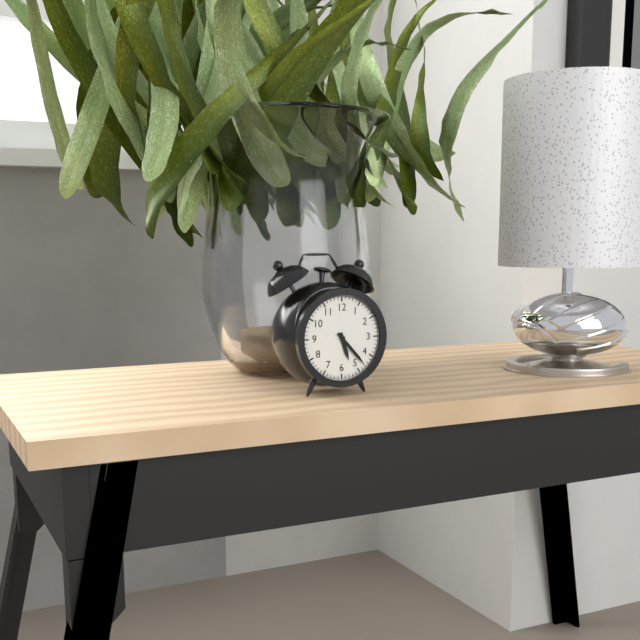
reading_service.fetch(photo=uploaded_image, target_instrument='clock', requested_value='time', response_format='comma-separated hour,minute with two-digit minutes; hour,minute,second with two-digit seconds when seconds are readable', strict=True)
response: 5,23
